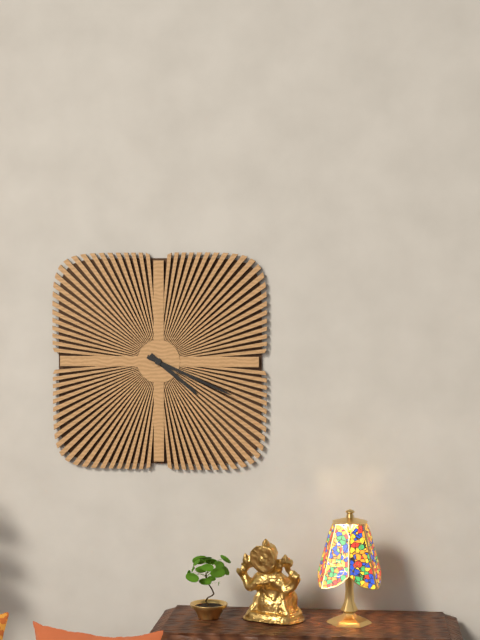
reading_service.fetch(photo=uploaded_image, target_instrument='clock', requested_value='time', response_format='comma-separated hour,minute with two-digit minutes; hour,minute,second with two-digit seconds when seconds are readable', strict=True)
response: 4,19
